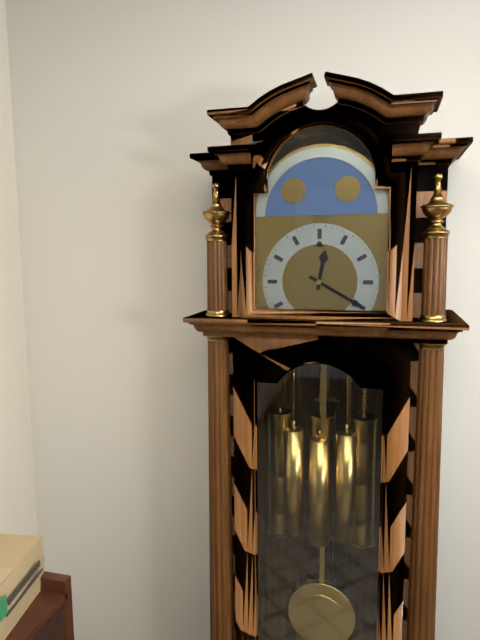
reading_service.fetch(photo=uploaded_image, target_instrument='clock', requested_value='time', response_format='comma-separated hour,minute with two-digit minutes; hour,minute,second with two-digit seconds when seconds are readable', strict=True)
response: 12,20
